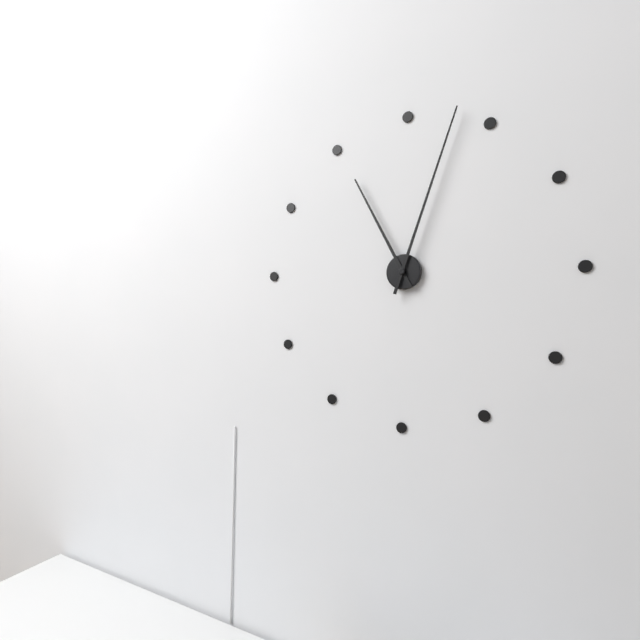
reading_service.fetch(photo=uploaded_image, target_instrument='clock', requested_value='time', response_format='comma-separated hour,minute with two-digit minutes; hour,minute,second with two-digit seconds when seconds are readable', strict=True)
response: 11,03
